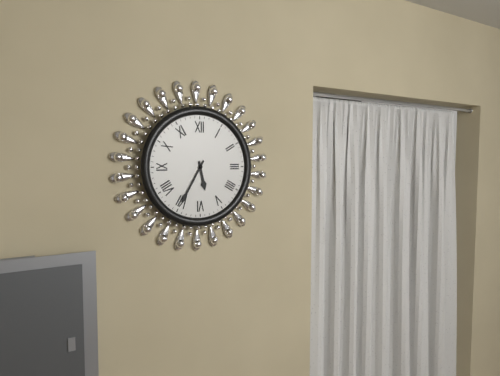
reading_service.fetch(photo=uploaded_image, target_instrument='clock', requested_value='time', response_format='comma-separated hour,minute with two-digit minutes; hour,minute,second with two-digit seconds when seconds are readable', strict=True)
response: 5,35
